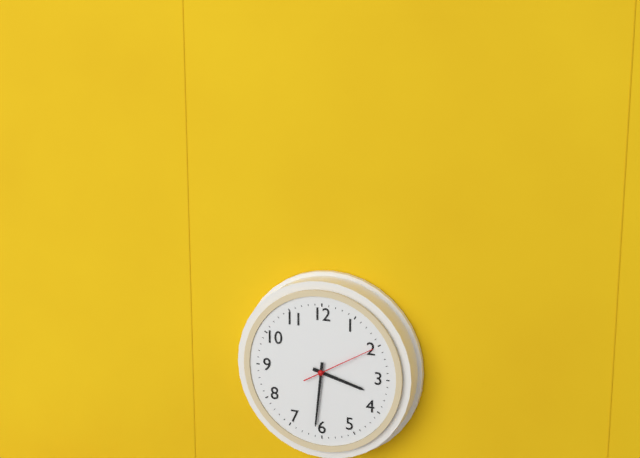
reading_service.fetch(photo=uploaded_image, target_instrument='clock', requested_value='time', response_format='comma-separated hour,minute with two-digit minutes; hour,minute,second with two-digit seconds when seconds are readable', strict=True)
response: 3,31,10
